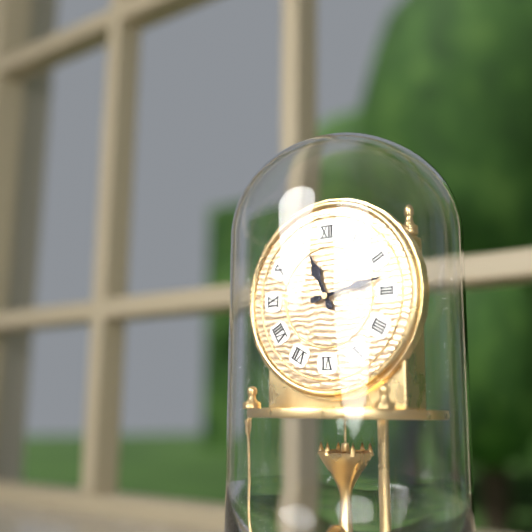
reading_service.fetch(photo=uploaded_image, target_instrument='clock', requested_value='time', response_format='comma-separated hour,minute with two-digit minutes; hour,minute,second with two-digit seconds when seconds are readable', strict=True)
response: 11,13
